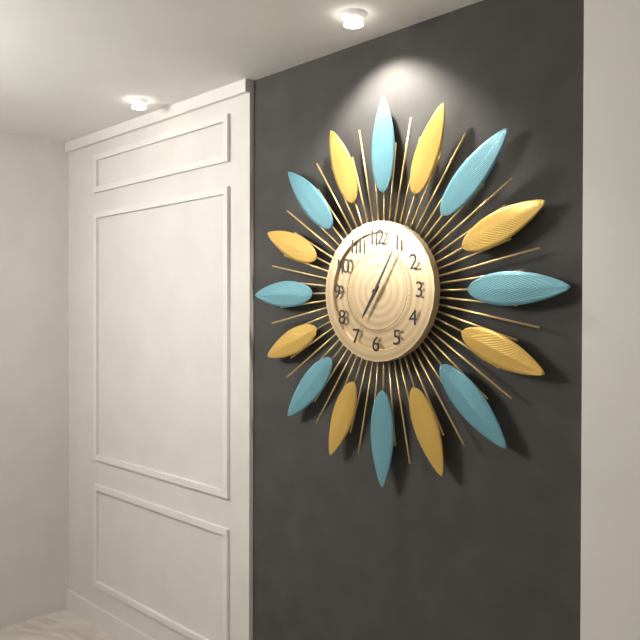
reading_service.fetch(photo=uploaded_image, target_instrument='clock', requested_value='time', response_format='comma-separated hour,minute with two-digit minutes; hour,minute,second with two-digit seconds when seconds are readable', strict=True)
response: 7,05
